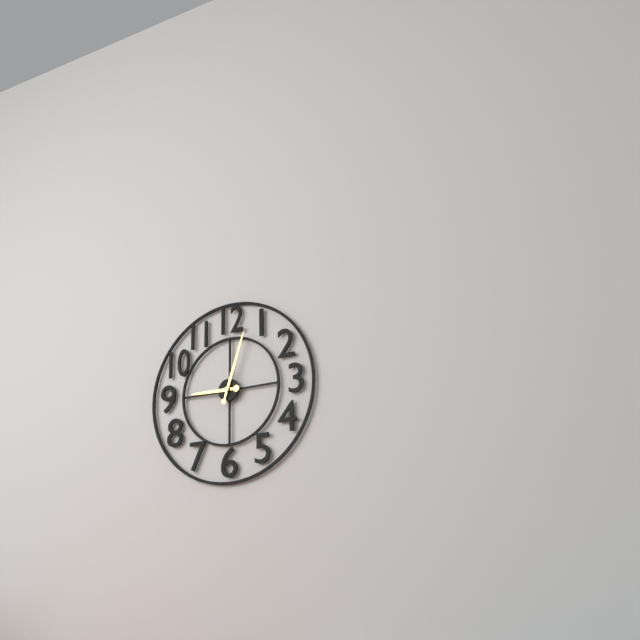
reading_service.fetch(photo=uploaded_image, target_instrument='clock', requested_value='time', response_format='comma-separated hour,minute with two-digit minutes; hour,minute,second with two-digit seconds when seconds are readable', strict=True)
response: 9,03
